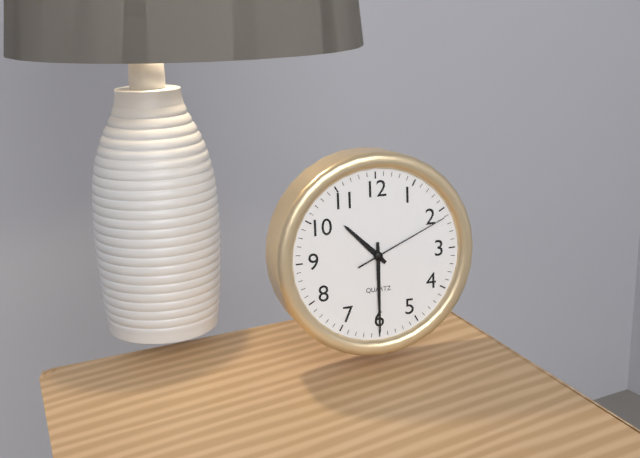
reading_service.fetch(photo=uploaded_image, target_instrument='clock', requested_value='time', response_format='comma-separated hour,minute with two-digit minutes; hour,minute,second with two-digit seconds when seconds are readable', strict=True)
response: 10,30,11
